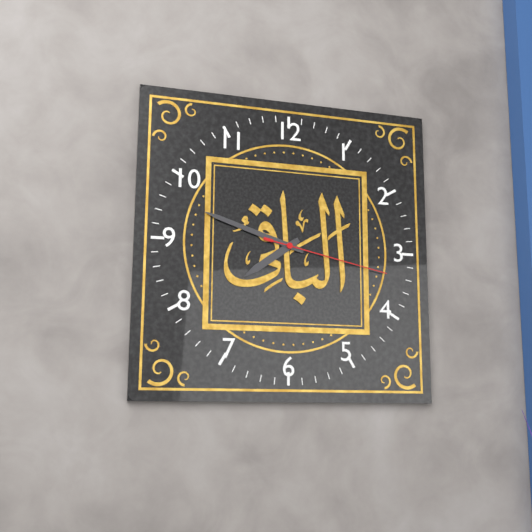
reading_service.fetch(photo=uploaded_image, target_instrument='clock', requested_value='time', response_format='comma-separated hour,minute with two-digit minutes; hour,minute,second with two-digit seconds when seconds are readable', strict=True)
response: 7,48,17
